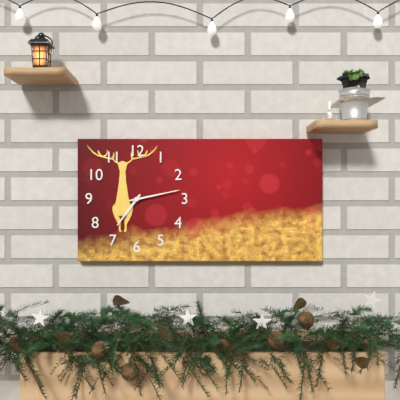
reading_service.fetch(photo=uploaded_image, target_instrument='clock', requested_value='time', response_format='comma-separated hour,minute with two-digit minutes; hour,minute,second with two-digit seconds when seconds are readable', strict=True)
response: 7,13
